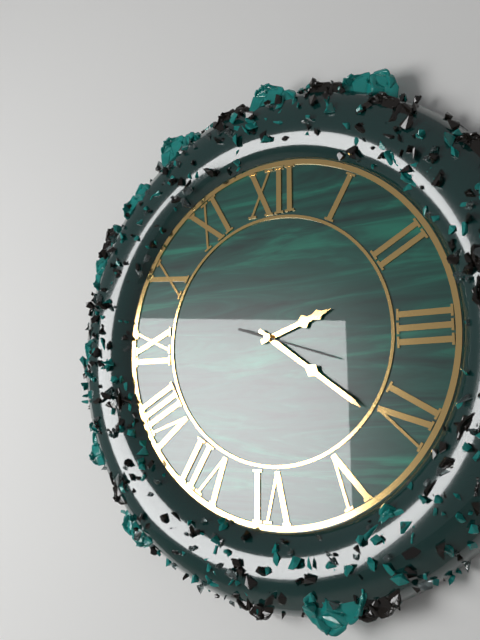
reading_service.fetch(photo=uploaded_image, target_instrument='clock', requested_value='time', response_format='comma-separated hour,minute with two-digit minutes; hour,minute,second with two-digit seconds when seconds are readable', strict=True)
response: 2,21,18
